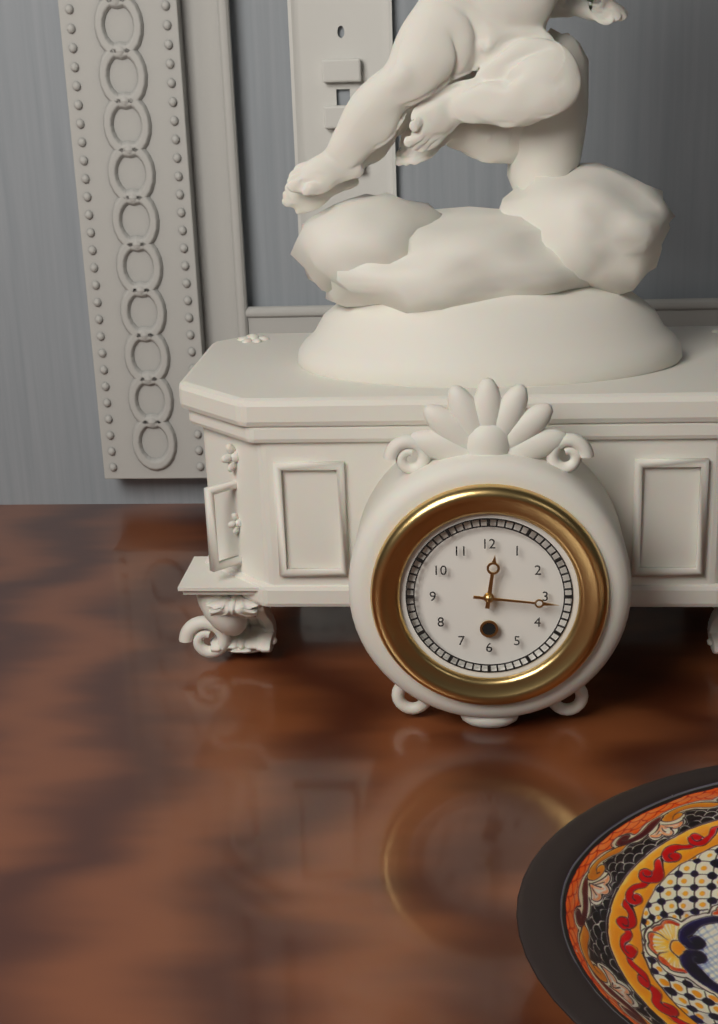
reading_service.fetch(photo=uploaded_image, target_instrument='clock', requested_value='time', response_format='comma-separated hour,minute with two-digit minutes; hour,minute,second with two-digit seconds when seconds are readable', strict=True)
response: 12,16
